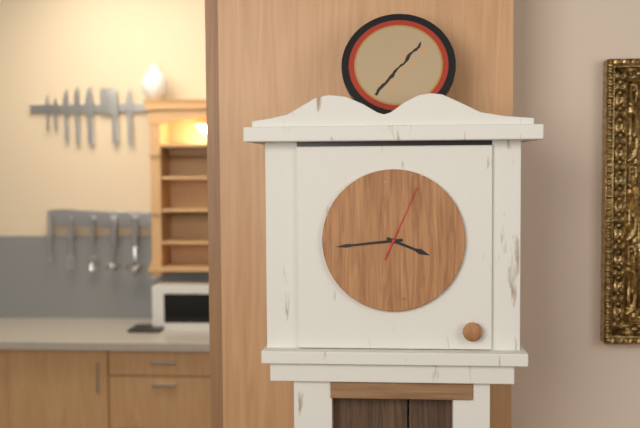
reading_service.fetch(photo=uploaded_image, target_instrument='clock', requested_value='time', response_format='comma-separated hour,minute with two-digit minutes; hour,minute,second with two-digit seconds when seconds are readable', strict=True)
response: 3,44,04
